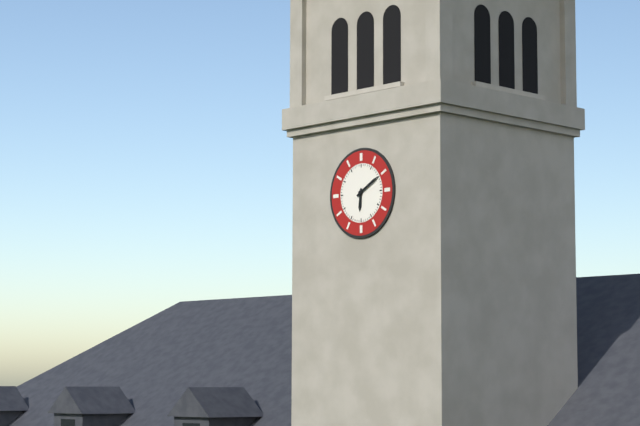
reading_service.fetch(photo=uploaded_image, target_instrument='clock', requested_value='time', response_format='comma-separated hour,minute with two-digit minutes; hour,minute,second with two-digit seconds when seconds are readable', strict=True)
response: 6,10
